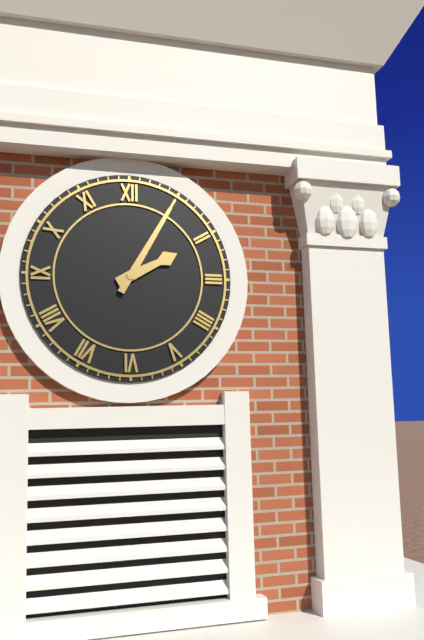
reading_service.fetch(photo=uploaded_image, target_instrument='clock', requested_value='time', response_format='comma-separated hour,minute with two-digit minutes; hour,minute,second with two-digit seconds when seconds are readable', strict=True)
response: 2,05
